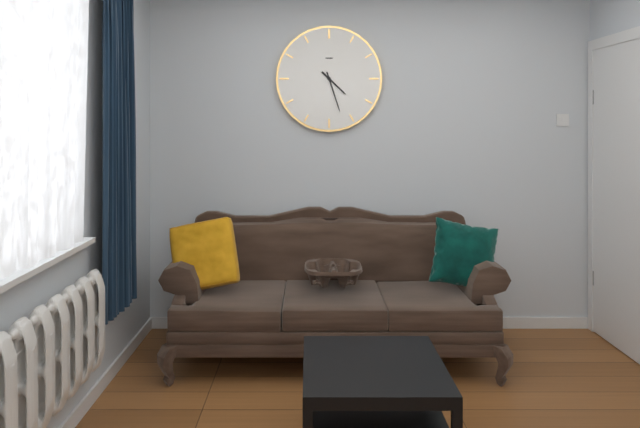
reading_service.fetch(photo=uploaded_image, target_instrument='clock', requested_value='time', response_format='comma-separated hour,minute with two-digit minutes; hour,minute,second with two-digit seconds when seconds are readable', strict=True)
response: 4,27
